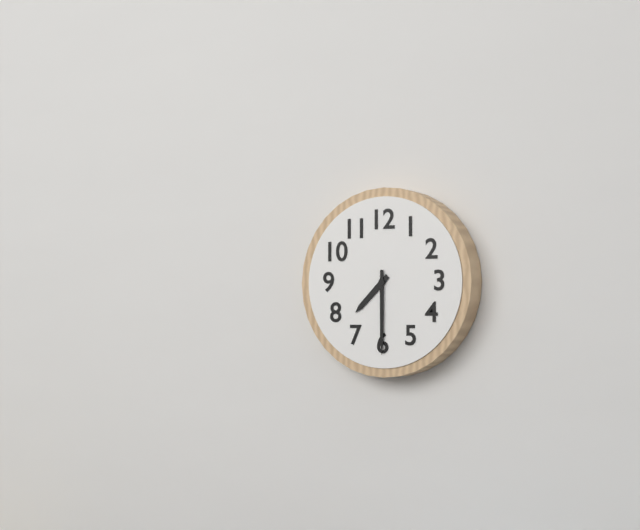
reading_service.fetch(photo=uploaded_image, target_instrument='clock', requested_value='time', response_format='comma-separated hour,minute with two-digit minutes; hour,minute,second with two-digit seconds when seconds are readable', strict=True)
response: 7,30
